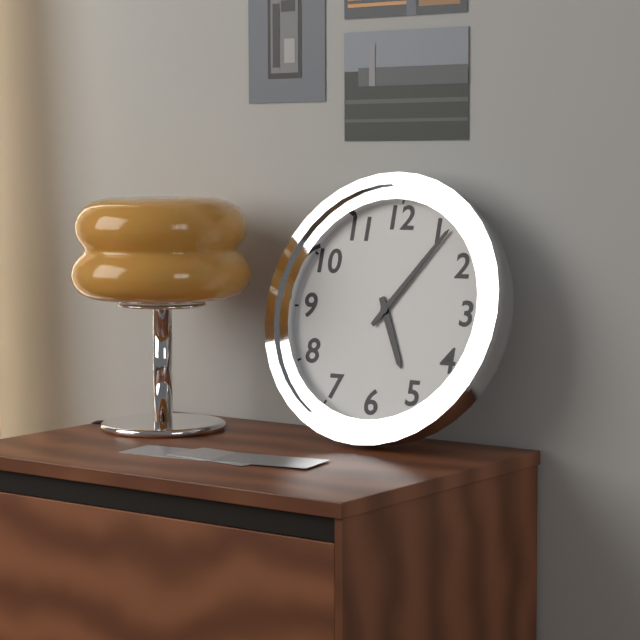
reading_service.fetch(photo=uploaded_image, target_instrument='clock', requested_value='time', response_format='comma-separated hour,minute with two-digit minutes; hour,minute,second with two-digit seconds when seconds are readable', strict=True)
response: 5,06
